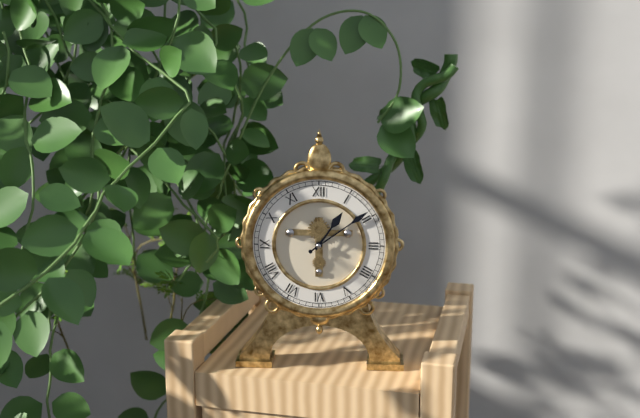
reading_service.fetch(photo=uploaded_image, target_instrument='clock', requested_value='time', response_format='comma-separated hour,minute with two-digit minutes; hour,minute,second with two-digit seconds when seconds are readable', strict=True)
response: 1,09
